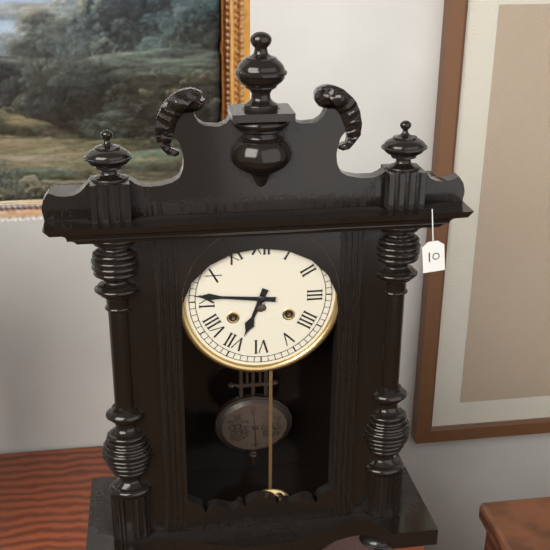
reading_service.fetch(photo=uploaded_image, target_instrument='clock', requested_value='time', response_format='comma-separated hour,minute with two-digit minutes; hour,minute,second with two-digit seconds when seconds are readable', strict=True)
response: 6,46
